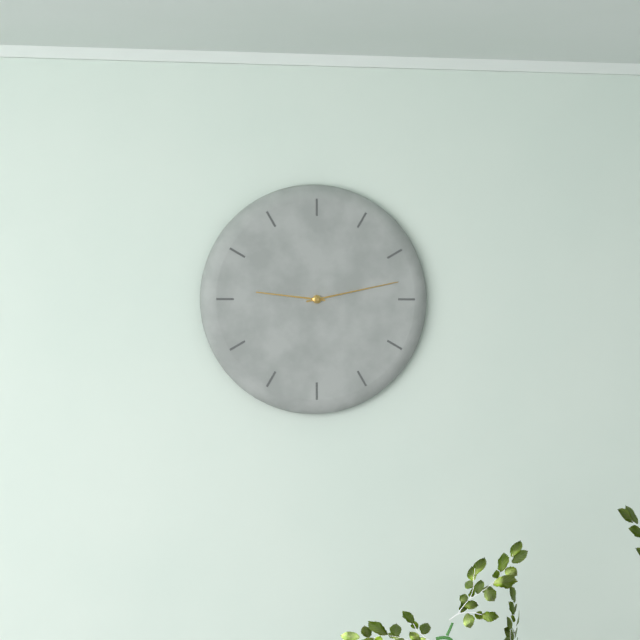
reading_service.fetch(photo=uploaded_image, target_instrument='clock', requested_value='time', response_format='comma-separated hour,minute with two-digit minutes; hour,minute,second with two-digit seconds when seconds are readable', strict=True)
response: 9,13
